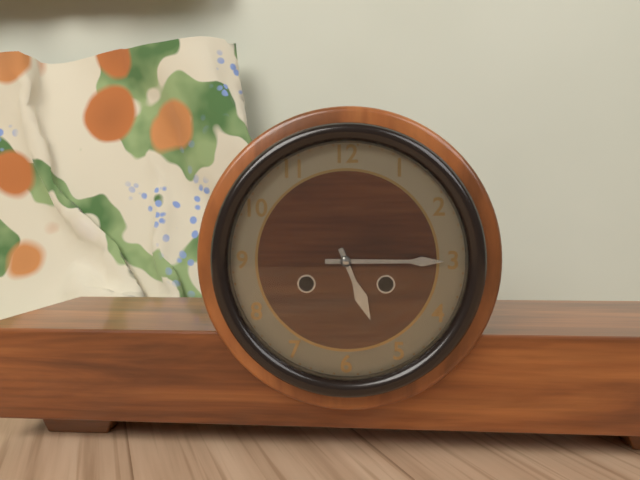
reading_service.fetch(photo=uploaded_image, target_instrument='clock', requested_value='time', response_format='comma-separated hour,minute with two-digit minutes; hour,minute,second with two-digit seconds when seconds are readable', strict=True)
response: 5,15
